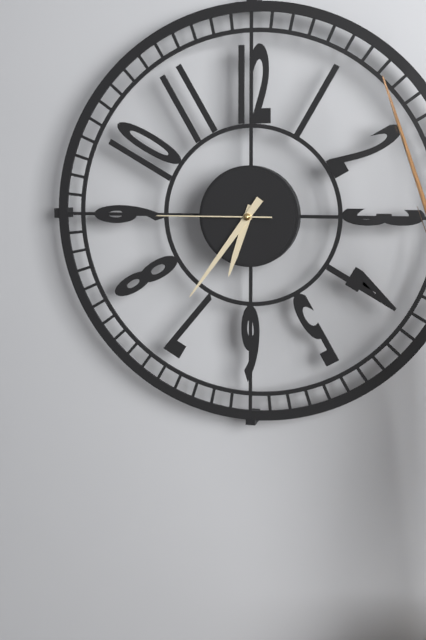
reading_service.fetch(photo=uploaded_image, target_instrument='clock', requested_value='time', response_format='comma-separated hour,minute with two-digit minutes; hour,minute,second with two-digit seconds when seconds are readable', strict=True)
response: 6,36,45
